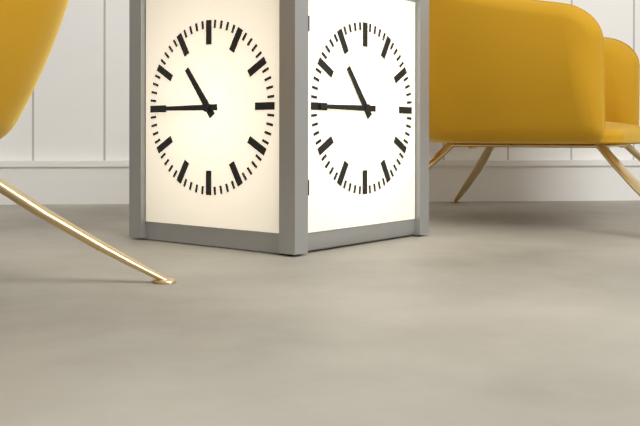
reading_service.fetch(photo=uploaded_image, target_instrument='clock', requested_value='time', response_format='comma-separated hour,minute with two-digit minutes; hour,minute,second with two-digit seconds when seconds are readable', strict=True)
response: 10,45
